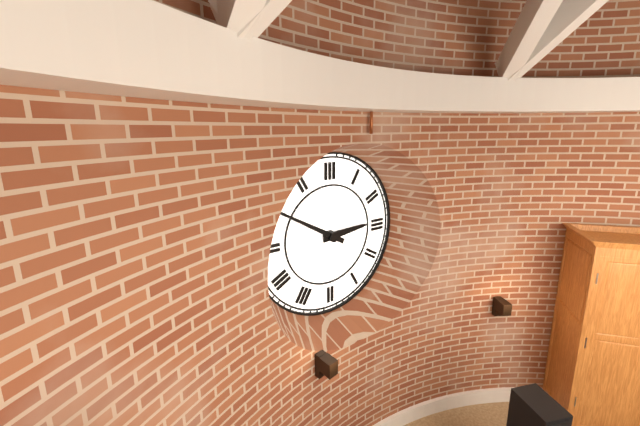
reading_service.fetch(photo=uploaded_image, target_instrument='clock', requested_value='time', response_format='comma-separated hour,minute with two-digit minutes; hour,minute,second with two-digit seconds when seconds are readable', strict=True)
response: 2,50
